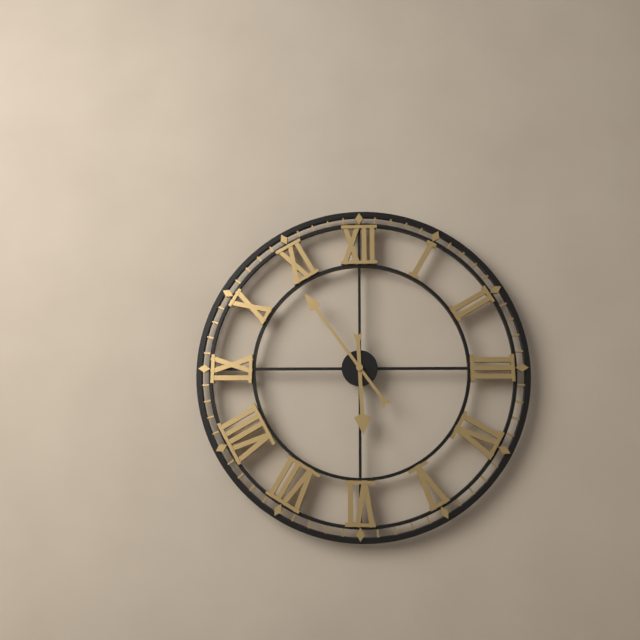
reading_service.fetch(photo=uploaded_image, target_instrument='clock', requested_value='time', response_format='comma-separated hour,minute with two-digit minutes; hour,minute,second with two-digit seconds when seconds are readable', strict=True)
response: 5,54
